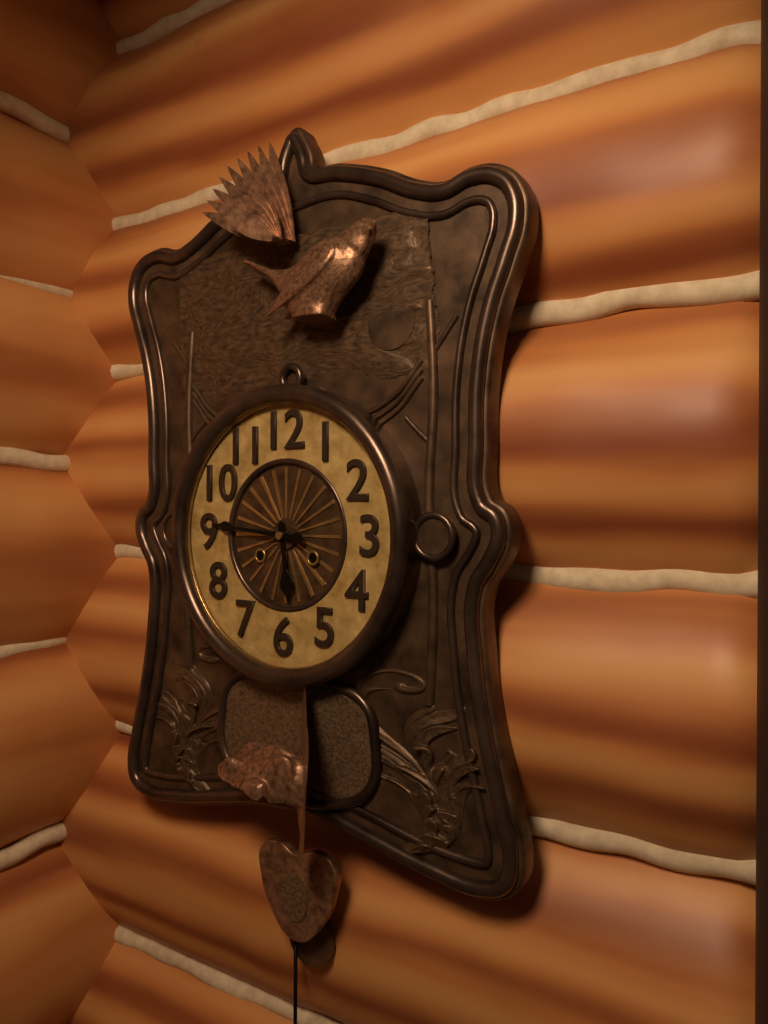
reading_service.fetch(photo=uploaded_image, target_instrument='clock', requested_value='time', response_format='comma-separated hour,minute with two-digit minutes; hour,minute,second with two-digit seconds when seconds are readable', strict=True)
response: 5,46
